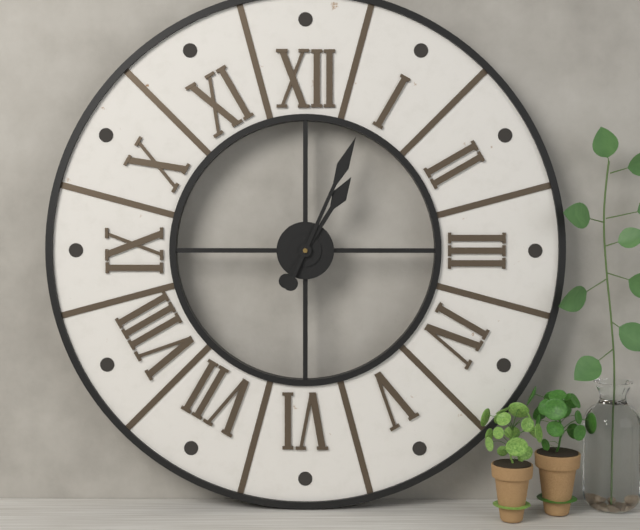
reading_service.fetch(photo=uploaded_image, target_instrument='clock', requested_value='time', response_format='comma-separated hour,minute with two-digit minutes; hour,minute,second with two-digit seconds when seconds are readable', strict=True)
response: 1,04
